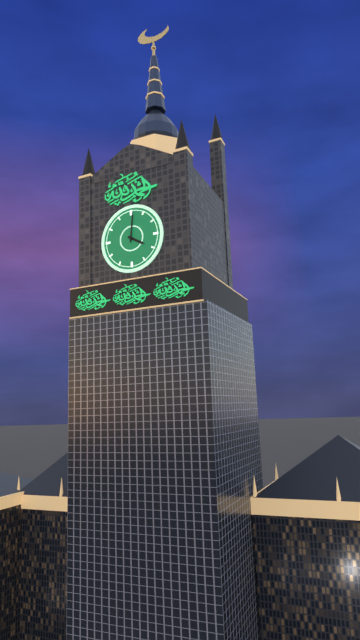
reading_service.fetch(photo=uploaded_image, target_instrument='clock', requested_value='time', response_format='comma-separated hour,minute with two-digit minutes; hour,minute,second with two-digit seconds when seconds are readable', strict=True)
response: 4,01
